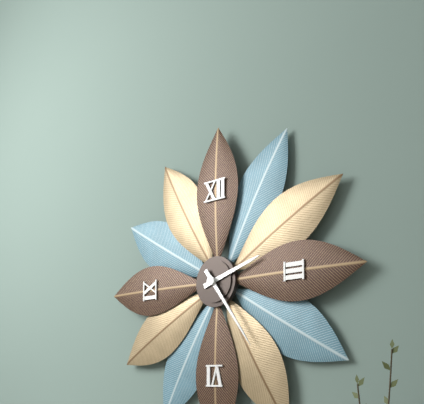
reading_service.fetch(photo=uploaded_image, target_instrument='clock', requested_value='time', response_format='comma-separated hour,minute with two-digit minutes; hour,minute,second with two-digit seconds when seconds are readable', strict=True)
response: 2,24
